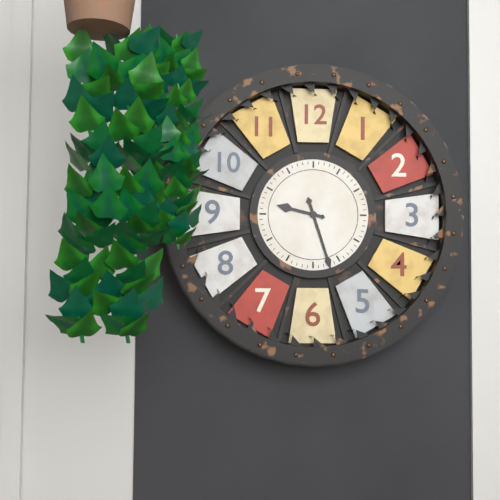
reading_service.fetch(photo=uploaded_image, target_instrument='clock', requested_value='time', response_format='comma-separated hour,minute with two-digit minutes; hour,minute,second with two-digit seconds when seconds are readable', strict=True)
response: 9,27
